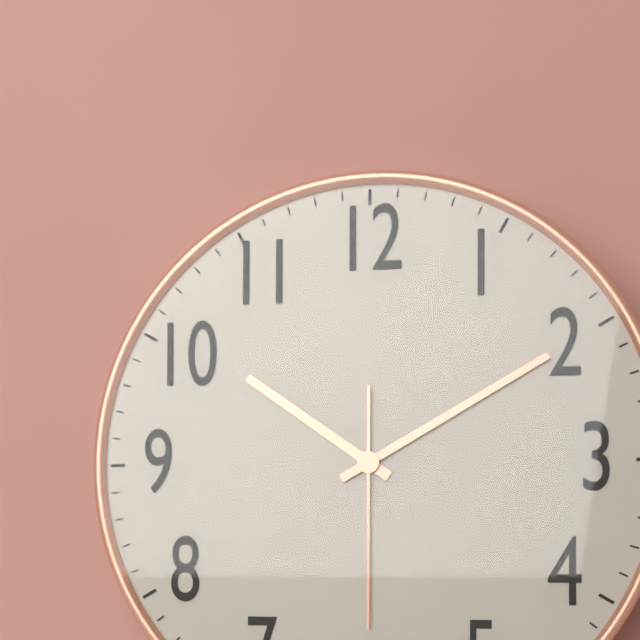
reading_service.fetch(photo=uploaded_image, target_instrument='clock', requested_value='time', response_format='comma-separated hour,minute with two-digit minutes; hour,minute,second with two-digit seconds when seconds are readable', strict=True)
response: 10,10,30
